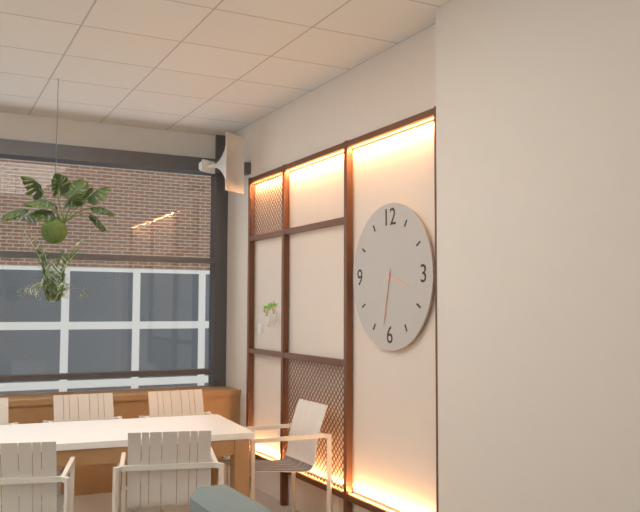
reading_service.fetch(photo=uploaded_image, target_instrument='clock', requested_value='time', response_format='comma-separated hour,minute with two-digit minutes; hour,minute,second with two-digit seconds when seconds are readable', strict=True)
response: 3,32
